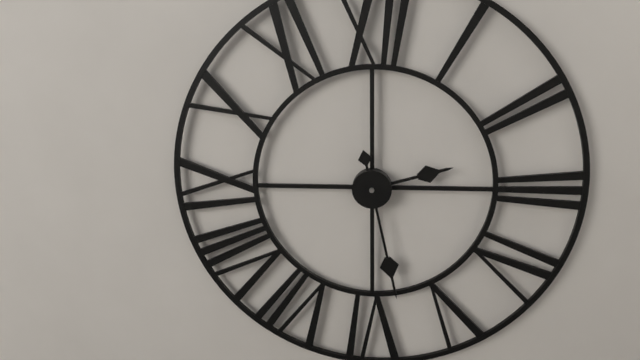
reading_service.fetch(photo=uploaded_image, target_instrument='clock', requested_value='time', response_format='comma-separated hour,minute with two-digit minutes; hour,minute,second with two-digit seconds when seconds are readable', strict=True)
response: 2,28
